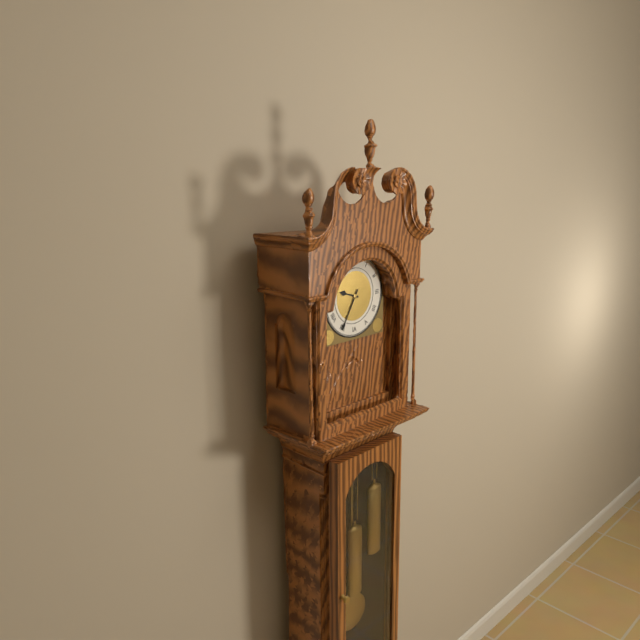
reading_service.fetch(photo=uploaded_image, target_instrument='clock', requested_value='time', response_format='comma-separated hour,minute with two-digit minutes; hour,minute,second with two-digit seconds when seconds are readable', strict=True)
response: 9,35
